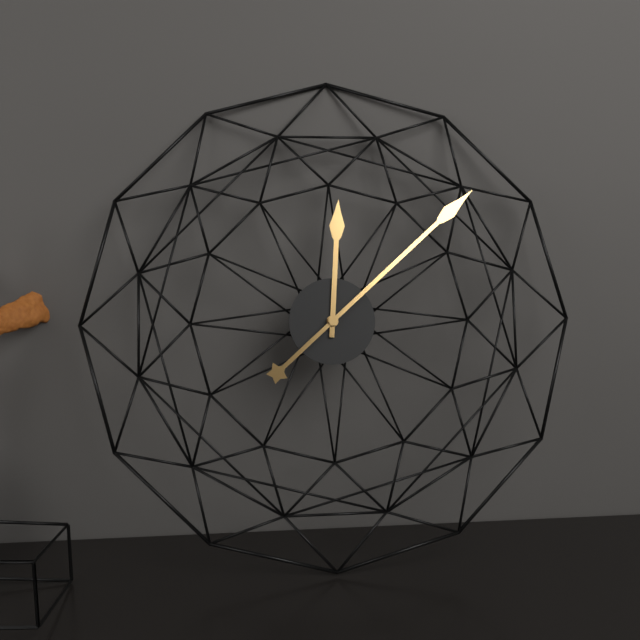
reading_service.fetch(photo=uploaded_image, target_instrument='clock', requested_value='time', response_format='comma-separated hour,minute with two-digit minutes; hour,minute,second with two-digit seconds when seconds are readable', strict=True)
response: 12,08
